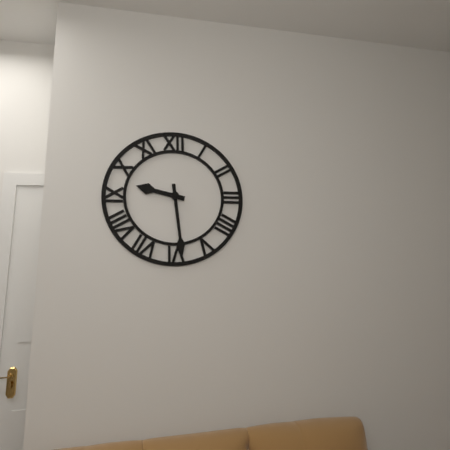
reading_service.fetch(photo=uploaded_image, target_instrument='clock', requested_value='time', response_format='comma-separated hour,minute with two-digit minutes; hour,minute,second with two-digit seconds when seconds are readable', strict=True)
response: 9,29
